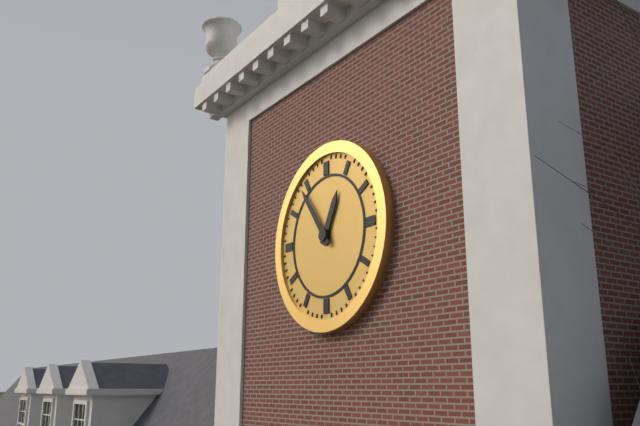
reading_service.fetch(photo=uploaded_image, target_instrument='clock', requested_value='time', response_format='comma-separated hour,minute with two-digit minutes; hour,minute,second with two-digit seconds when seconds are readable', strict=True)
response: 12,54
